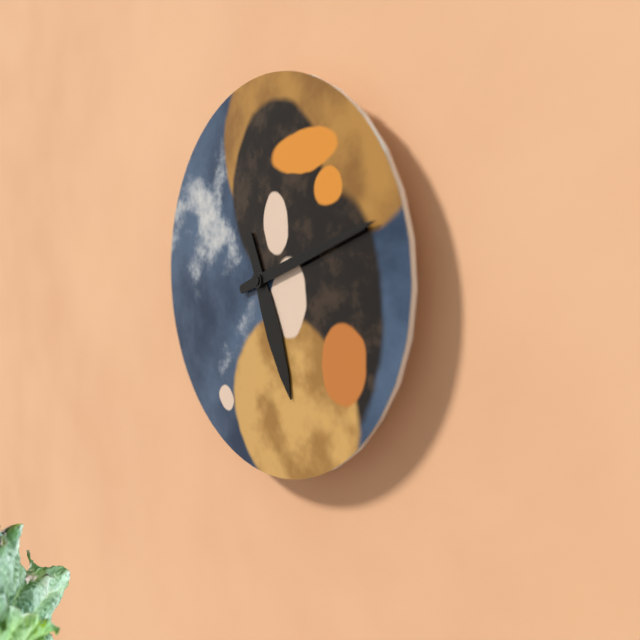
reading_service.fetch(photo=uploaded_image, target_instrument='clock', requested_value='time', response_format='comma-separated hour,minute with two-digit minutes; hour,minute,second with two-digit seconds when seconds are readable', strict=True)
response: 5,12
